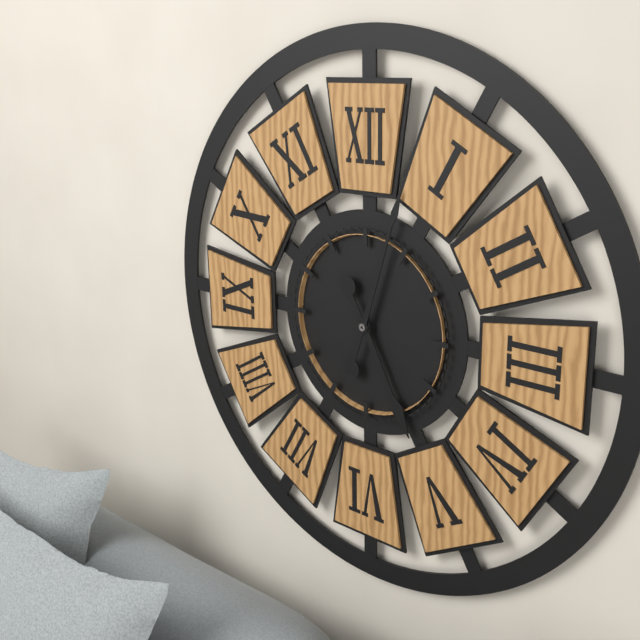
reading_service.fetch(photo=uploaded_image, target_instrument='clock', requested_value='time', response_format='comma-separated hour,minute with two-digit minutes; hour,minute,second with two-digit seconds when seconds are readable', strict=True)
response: 5,03
